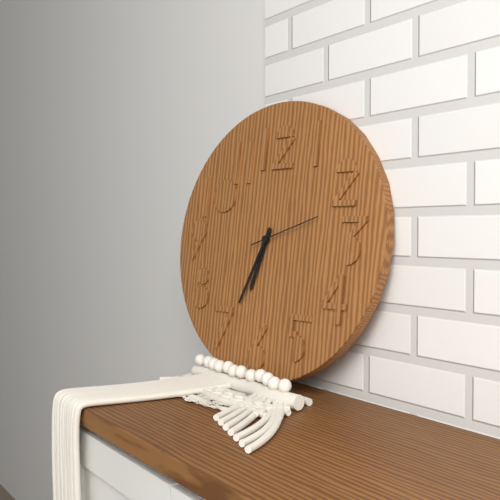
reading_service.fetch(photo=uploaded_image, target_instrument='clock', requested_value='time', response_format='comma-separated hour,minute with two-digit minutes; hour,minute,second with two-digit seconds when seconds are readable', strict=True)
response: 6,34,12
